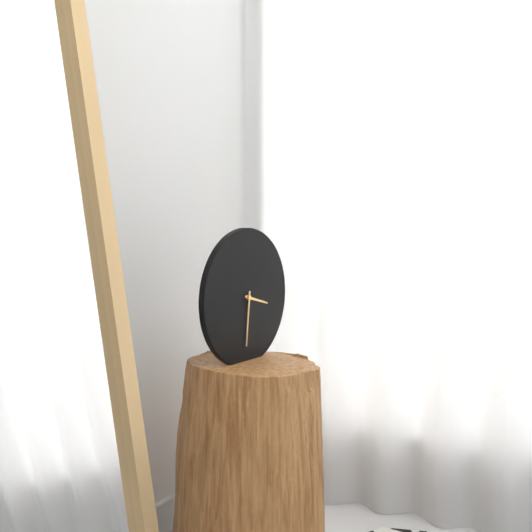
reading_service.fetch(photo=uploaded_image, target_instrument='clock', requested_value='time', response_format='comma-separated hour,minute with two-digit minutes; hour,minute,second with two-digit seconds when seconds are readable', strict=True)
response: 3,31
